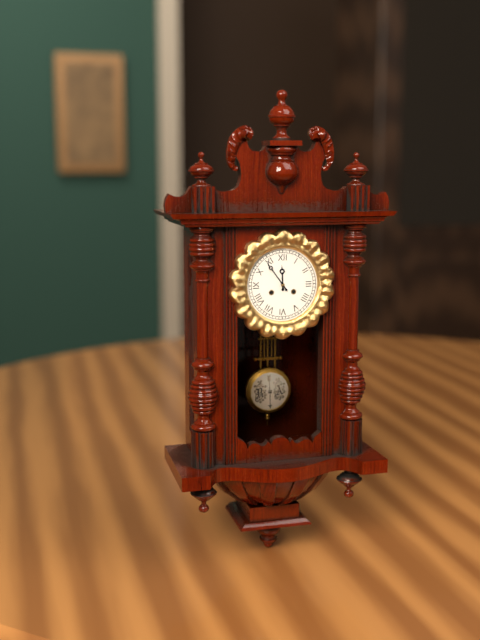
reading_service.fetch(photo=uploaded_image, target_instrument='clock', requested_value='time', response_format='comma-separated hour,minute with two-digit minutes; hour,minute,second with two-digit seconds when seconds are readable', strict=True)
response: 11,54
